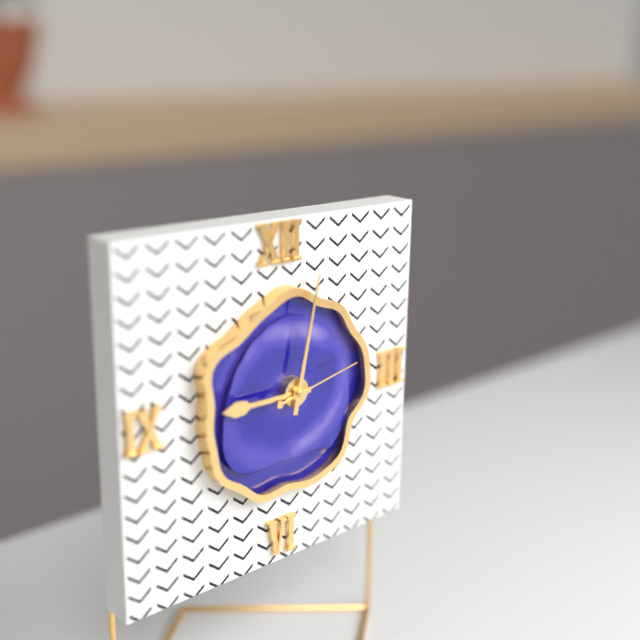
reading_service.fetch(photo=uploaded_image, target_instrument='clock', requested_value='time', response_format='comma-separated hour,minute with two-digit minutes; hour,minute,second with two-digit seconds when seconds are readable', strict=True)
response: 9,02,13
